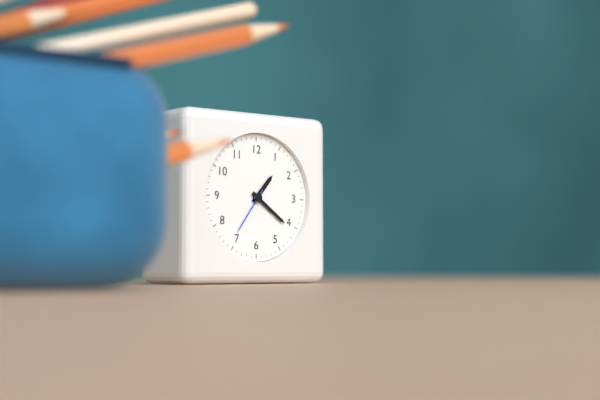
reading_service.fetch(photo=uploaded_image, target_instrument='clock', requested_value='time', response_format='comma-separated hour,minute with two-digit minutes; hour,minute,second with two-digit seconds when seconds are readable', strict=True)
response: 1,21
